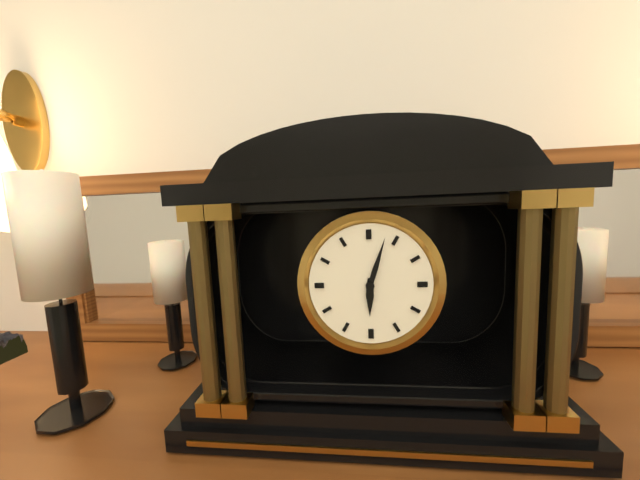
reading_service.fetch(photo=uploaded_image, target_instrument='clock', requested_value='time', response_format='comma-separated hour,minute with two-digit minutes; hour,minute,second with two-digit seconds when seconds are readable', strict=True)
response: 6,03
